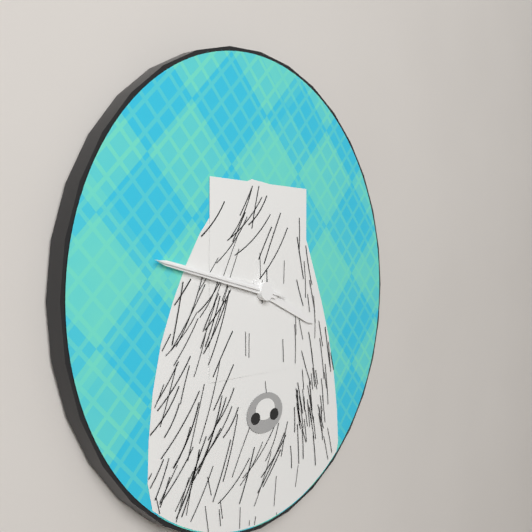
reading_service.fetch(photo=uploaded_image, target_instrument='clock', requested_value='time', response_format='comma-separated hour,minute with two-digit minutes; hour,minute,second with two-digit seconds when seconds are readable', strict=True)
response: 3,47,47
